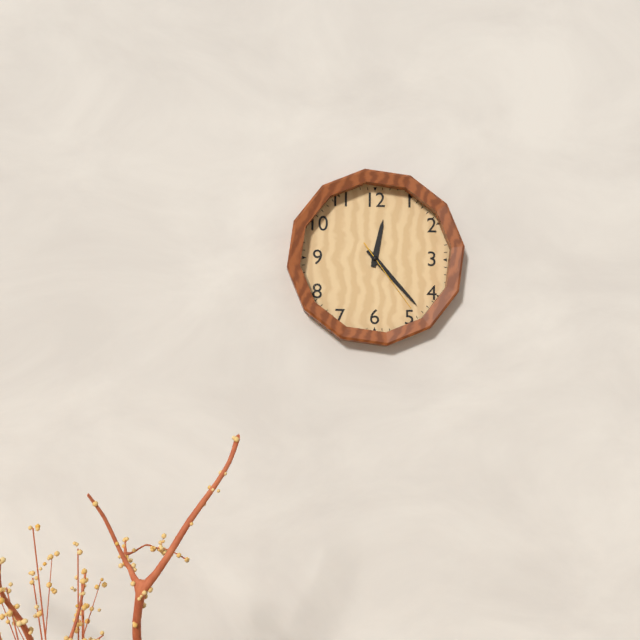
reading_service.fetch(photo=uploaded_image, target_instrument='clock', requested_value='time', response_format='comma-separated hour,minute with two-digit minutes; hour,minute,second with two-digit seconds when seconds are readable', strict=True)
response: 12,23,24
